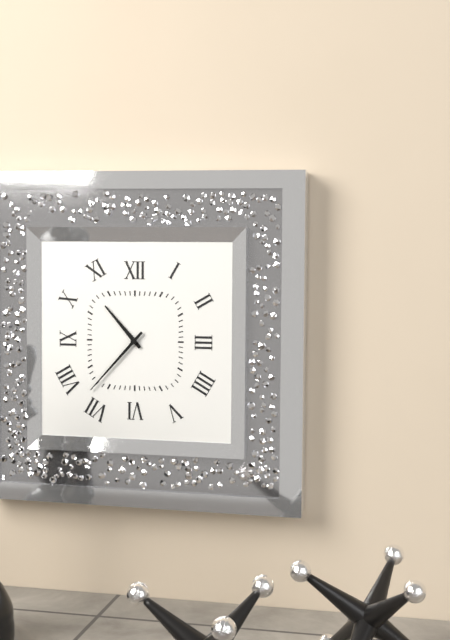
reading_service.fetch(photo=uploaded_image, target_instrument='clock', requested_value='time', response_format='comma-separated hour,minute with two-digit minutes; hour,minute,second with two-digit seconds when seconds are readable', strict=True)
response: 10,37
